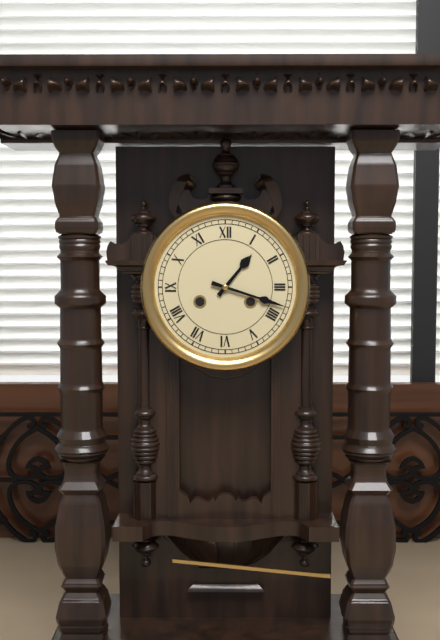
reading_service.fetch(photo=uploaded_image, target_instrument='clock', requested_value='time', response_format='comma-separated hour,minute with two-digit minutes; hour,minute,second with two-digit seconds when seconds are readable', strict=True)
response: 1,18
